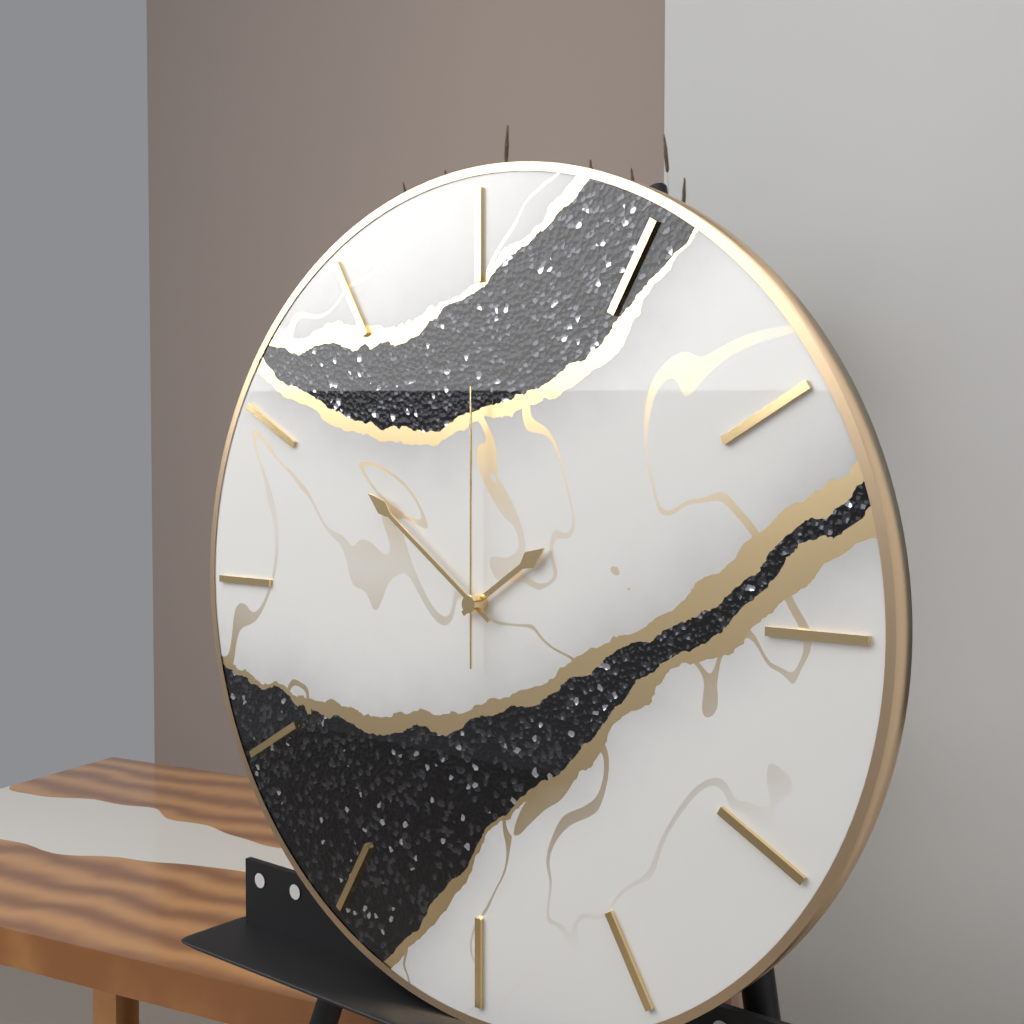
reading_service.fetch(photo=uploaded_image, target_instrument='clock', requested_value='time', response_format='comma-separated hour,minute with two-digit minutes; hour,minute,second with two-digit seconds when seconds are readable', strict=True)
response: 1,51,00
